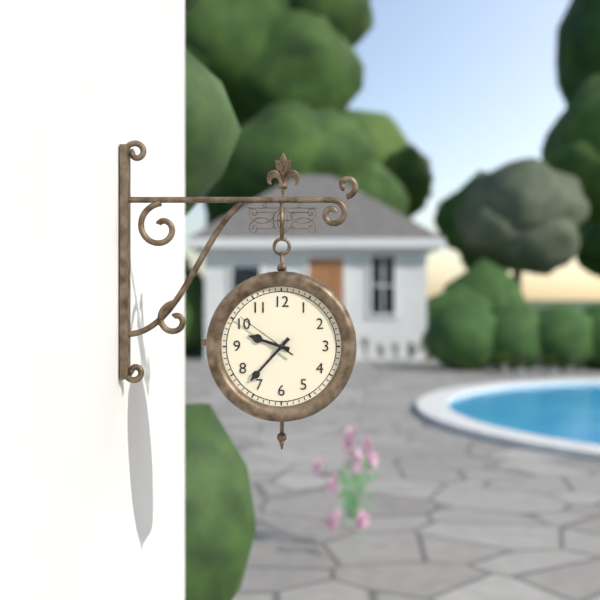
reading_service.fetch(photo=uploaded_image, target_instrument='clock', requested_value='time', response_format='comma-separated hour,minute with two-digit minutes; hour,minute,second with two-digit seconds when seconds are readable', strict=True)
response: 9,37,51
